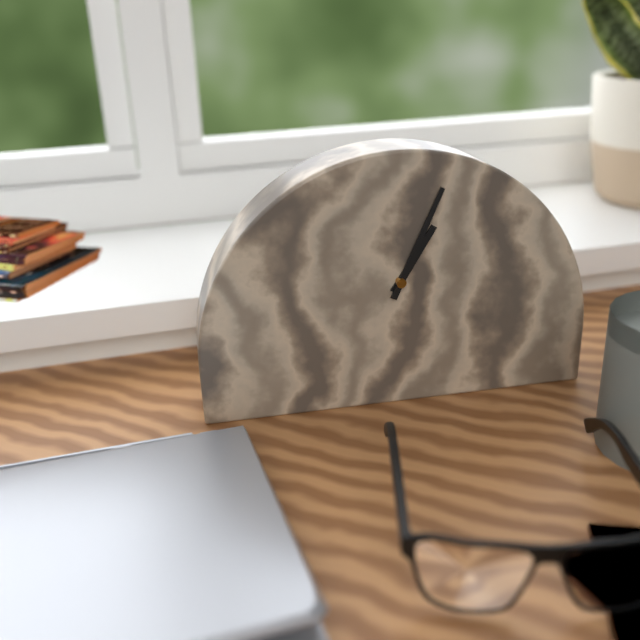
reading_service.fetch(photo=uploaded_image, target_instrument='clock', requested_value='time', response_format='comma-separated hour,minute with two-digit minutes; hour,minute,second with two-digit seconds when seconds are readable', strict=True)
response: 1,04
